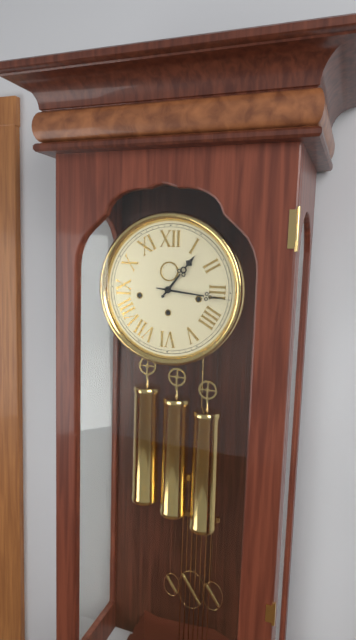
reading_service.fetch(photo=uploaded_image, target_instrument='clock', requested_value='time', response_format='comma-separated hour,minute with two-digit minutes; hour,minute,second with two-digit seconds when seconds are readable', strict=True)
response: 1,16
